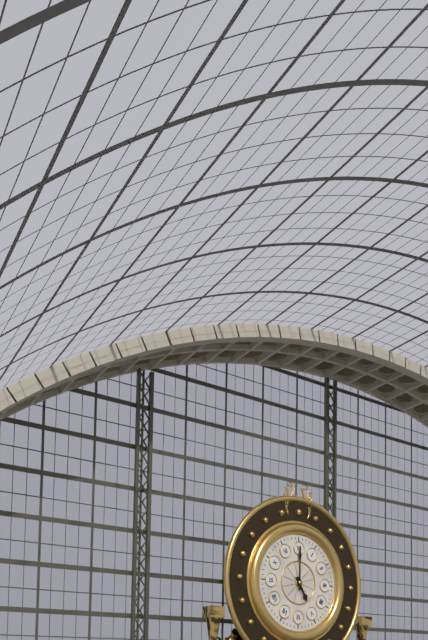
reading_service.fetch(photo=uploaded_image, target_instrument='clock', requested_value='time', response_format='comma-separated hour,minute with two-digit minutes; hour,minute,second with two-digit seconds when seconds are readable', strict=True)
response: 5,00
